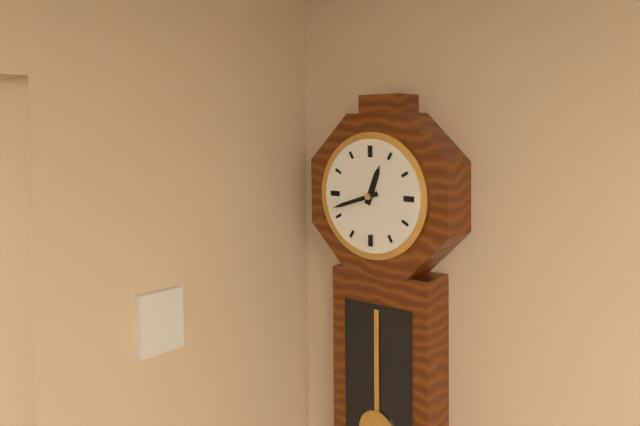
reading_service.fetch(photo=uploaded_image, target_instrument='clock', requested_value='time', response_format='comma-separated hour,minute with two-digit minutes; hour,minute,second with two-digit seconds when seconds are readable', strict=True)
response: 12,42
